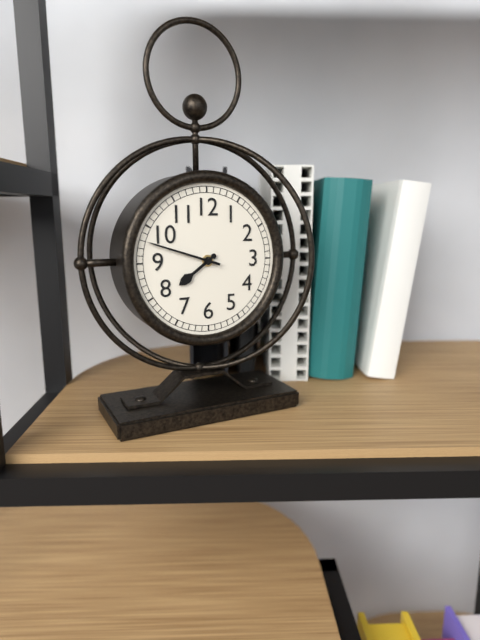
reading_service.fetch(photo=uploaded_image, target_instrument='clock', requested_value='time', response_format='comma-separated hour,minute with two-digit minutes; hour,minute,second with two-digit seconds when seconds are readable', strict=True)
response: 7,48
